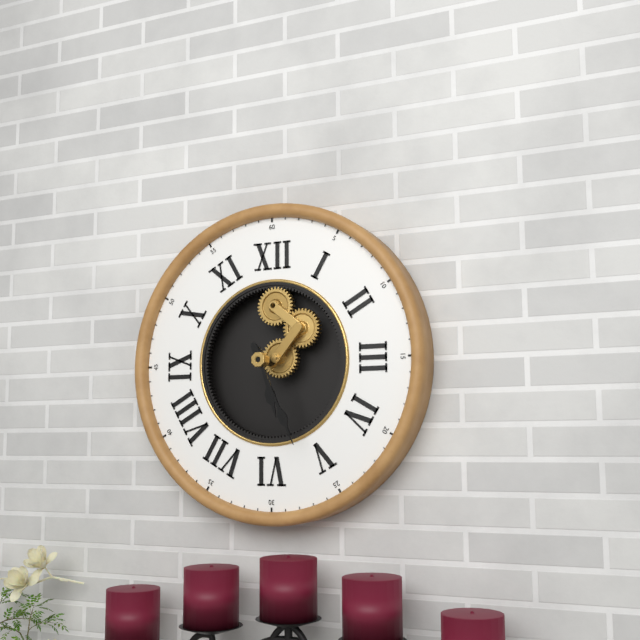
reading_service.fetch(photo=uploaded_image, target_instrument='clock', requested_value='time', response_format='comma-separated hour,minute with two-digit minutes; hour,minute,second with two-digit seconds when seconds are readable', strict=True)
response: 5,26
